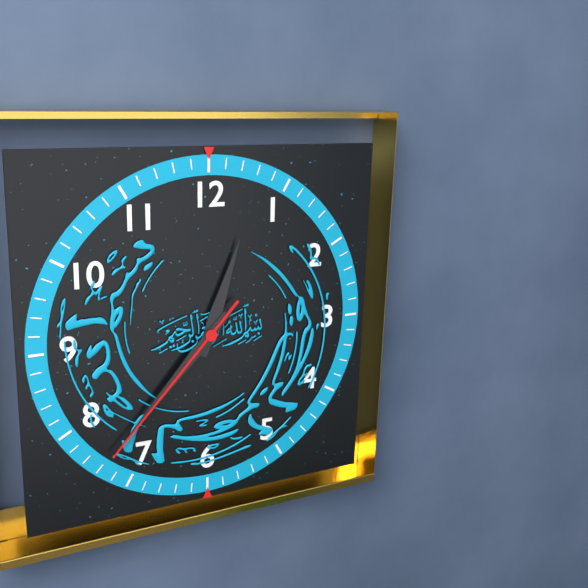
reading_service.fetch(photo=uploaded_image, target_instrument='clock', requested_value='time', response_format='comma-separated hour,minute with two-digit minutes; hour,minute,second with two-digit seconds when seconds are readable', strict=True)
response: 12,37,37
